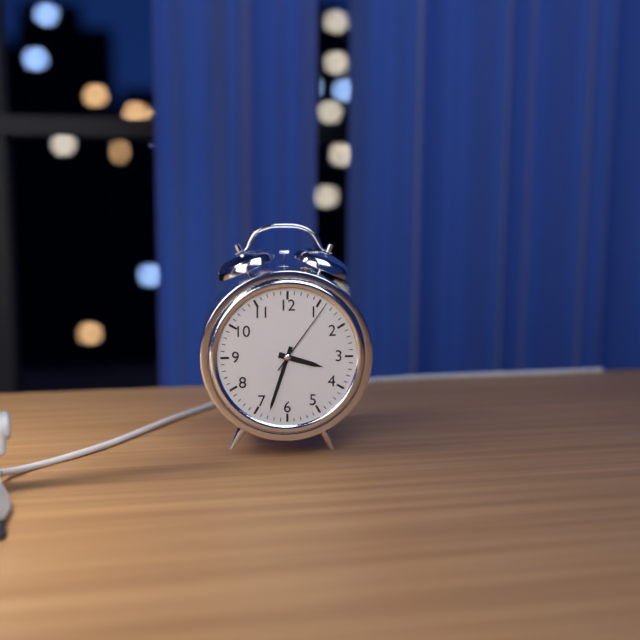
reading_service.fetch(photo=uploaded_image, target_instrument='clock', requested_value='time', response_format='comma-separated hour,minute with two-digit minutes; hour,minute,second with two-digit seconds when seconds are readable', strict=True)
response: 3,33,06
